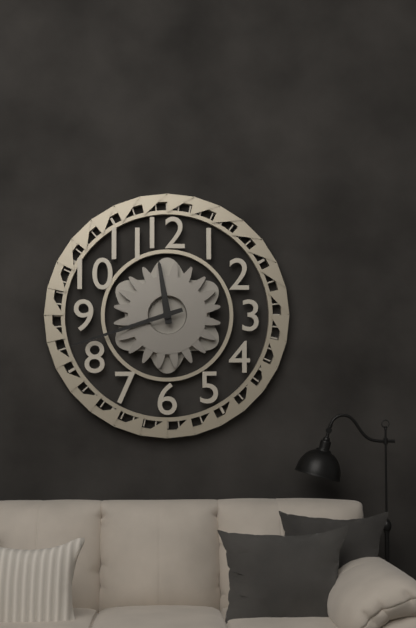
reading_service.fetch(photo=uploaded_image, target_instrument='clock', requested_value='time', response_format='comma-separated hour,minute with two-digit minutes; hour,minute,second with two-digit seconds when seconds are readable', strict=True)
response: 11,42
